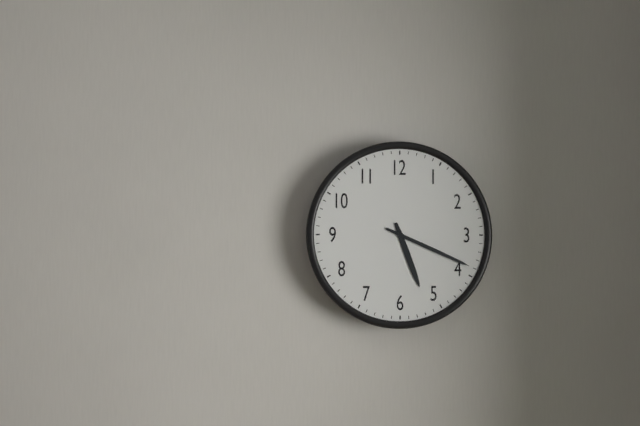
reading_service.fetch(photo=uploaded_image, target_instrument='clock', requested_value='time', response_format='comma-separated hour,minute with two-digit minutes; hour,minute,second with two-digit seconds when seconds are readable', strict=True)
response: 5,19
